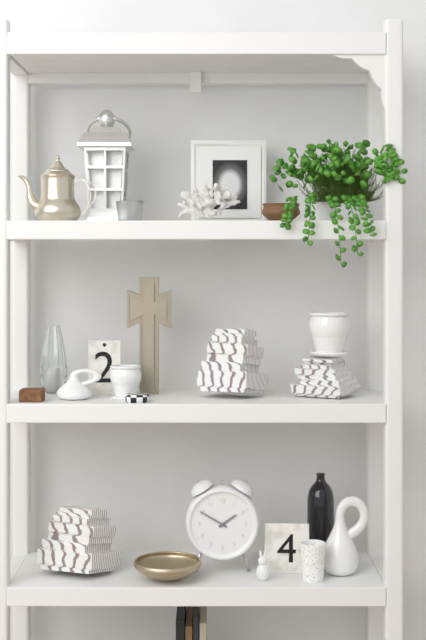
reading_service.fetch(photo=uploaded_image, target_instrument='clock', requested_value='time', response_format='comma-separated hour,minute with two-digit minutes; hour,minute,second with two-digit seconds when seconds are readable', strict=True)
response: 1,50
